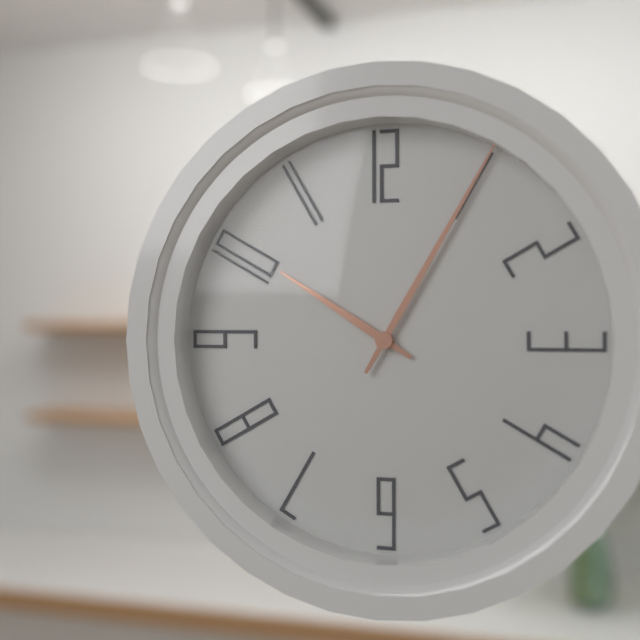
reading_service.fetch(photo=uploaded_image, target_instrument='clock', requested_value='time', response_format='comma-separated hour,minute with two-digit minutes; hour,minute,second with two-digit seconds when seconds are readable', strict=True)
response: 10,05
